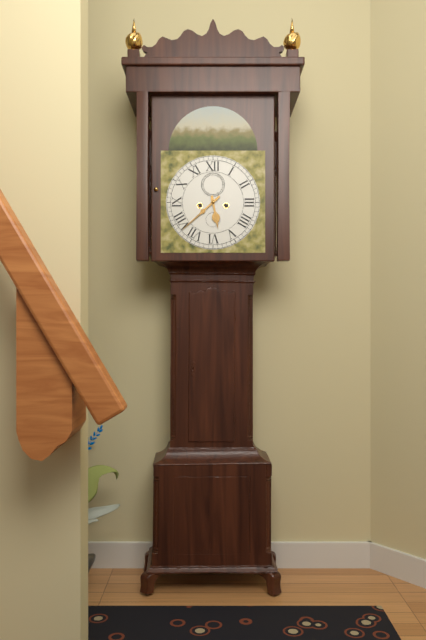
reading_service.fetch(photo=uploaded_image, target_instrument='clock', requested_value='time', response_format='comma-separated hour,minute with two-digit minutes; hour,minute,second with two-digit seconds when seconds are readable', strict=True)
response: 5,38
